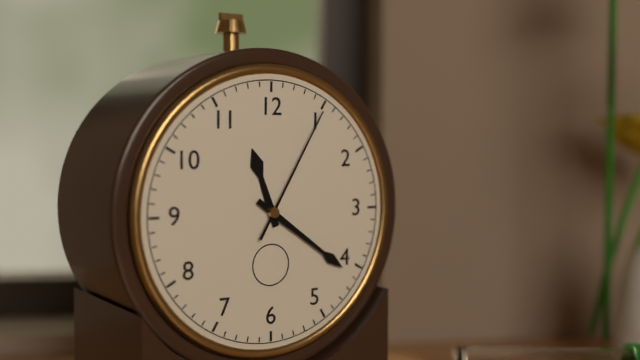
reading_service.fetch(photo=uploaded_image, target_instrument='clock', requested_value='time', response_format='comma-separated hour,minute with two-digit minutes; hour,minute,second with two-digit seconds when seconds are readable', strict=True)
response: 11,21,05
